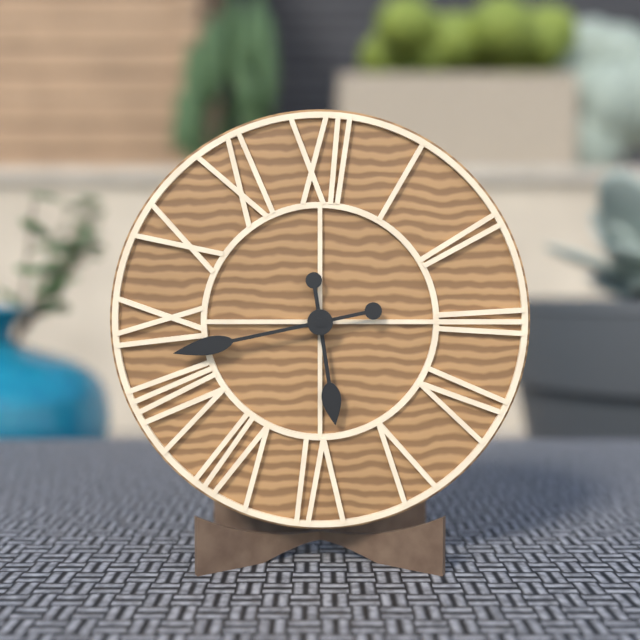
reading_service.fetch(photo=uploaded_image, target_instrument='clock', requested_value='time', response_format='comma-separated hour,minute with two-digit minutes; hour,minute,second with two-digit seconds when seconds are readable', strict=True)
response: 5,43
